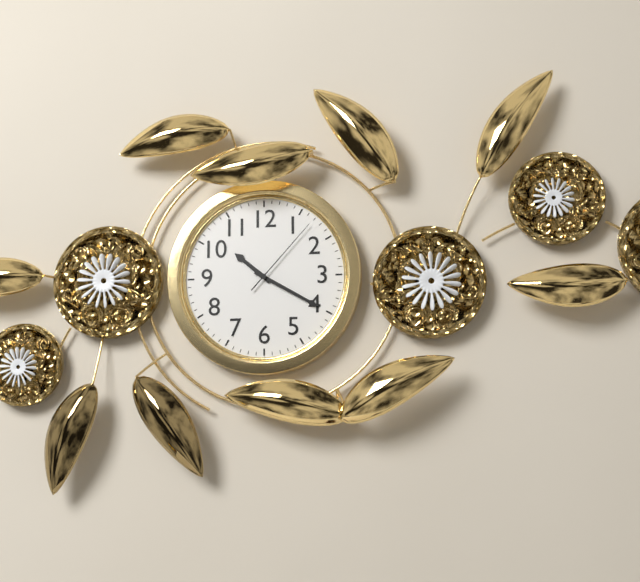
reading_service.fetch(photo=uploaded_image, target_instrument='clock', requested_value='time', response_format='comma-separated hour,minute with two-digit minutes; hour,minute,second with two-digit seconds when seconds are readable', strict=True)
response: 10,20,07
